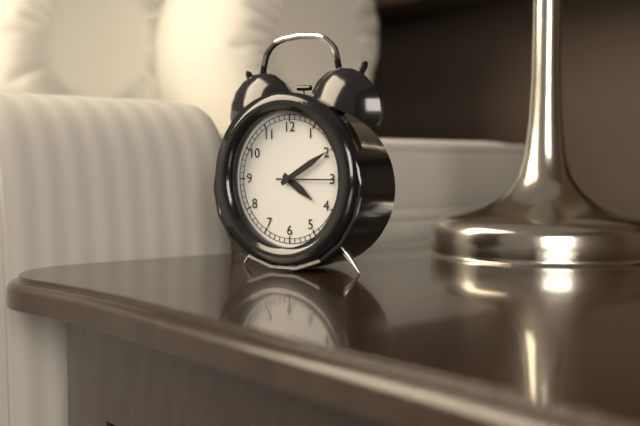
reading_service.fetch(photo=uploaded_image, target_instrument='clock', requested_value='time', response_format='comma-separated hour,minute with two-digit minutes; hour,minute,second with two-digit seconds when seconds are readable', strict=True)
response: 4,10,15
